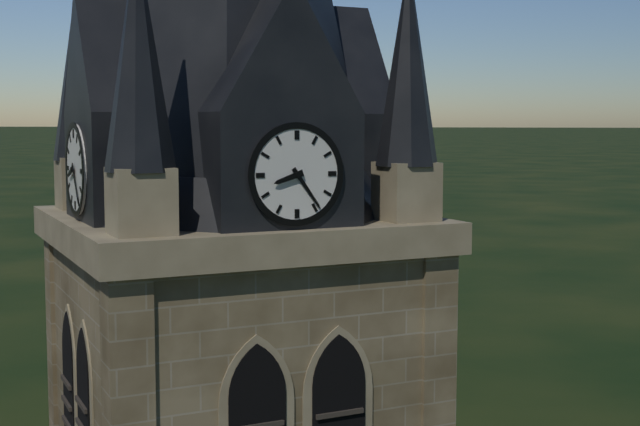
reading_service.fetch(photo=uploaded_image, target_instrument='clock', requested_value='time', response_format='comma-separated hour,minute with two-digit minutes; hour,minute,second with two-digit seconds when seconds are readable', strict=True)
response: 8,24
